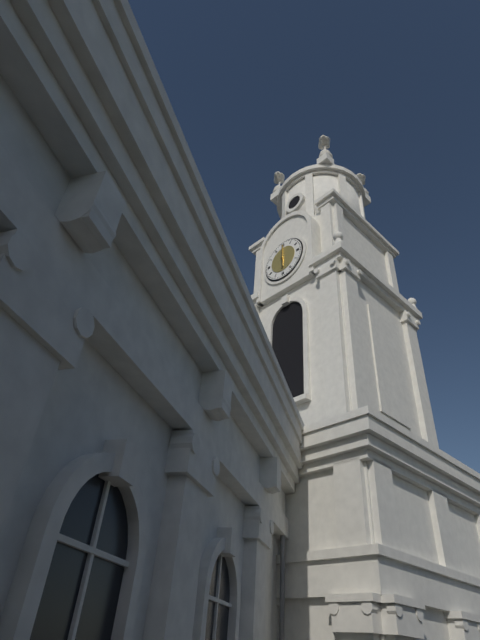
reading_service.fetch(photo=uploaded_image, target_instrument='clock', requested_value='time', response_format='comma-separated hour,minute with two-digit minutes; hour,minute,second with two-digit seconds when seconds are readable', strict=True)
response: 6,00
